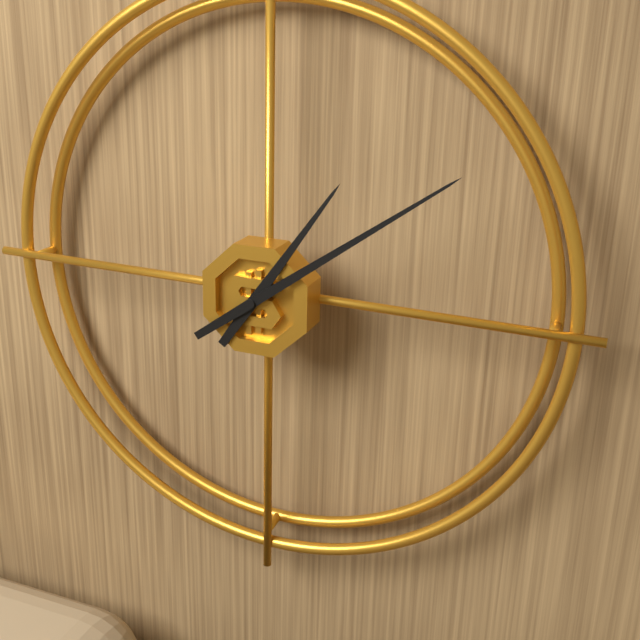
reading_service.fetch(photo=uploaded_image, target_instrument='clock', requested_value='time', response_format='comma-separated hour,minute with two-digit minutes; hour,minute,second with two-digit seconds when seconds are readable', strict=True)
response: 1,09
